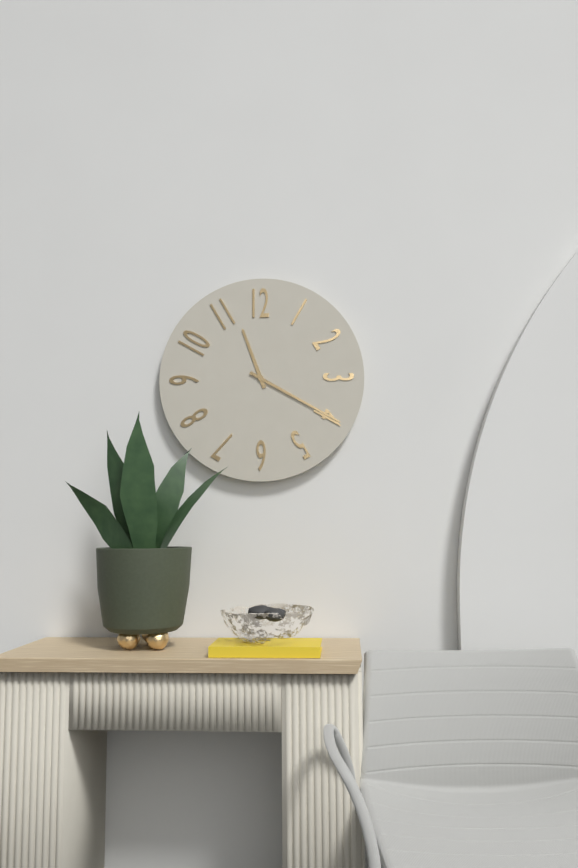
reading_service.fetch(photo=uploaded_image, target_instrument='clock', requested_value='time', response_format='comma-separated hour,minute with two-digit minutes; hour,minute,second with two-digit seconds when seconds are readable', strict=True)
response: 11,20
